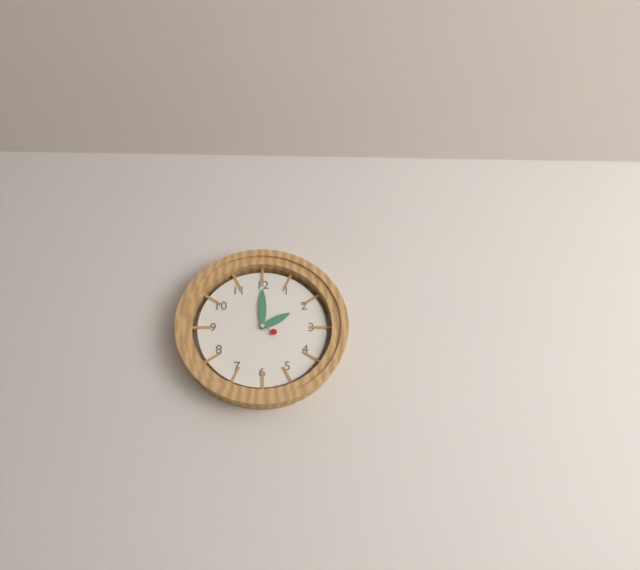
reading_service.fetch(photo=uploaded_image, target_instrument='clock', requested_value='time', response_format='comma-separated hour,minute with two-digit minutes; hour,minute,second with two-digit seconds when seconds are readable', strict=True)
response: 2,00
